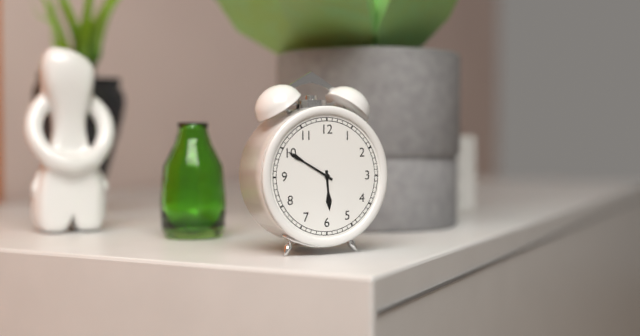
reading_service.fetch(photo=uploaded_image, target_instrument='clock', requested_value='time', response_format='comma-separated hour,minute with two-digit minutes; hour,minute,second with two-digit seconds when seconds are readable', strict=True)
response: 5,50
